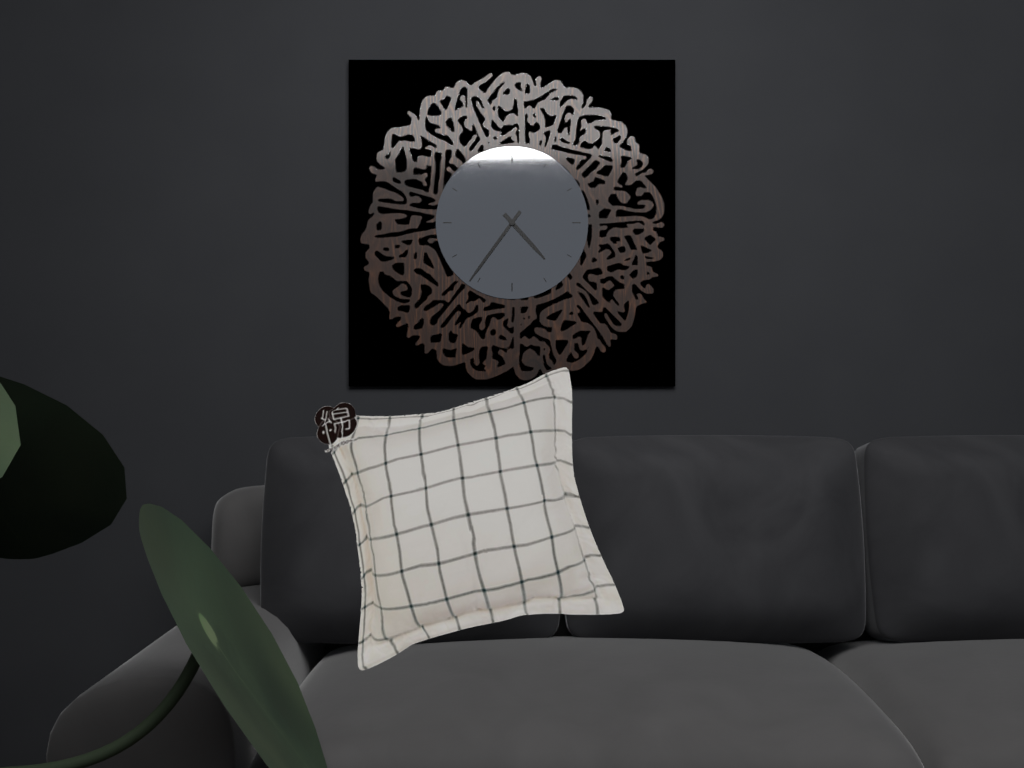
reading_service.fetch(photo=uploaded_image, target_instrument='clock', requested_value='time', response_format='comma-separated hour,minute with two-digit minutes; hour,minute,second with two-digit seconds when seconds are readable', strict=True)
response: 4,36
